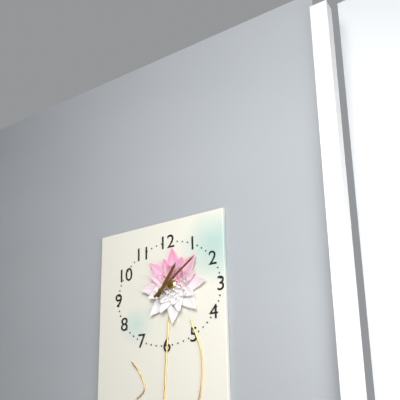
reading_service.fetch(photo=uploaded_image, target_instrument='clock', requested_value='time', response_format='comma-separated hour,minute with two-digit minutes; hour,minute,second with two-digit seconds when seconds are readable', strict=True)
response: 1,09
